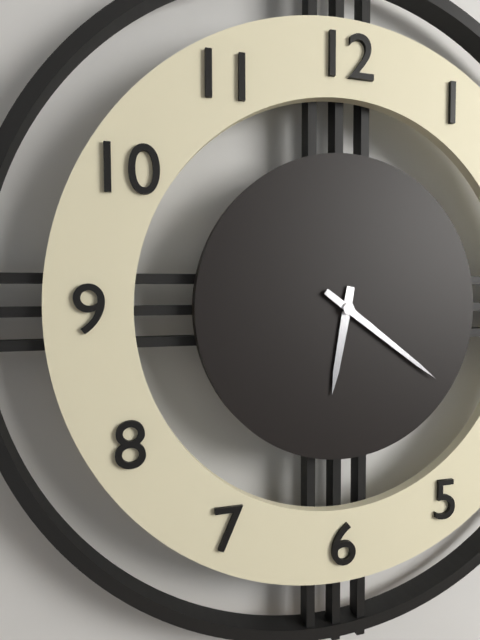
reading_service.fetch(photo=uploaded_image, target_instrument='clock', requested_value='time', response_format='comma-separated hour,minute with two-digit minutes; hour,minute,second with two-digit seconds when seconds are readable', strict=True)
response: 6,21
